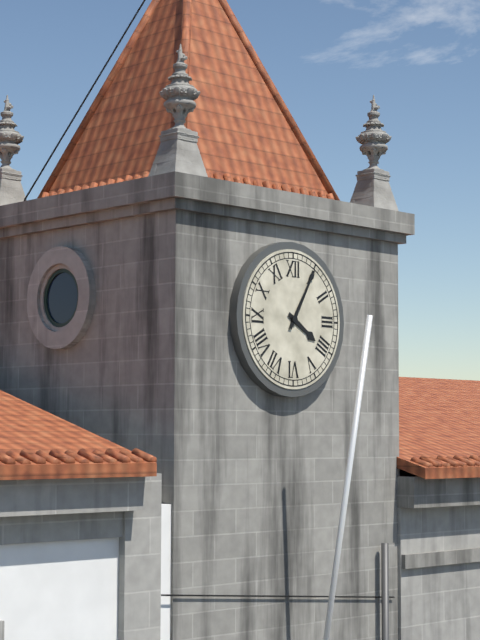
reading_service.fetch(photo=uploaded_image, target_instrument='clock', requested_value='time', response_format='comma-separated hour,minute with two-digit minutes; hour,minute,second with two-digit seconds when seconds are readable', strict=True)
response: 4,05
